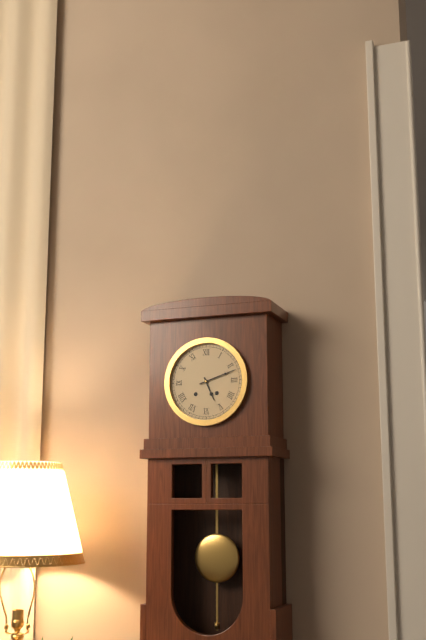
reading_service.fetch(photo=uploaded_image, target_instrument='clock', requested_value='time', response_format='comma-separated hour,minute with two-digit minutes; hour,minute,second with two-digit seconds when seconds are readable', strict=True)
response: 5,12
